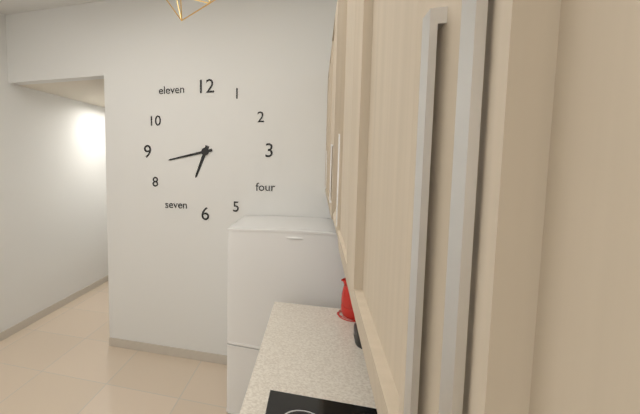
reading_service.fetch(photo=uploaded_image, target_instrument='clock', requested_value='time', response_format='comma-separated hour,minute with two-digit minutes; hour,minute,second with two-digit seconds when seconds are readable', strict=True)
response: 6,43
